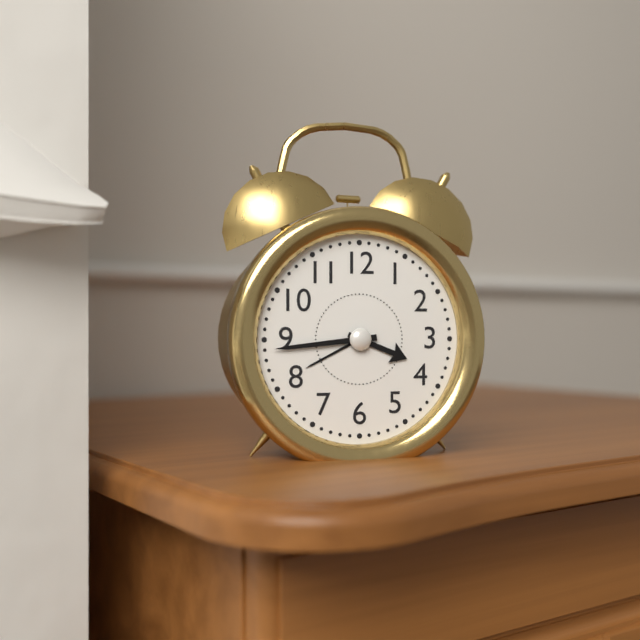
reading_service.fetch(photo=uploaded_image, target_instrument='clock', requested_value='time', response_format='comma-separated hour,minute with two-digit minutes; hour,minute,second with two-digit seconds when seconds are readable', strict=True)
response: 3,44
